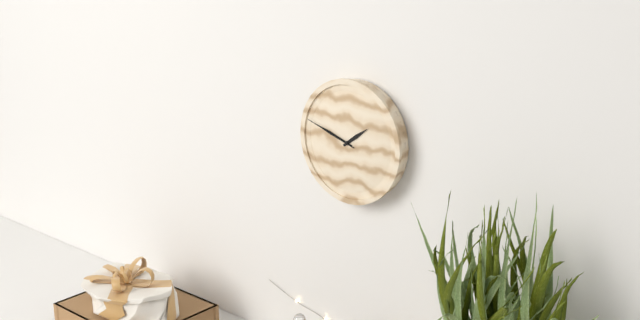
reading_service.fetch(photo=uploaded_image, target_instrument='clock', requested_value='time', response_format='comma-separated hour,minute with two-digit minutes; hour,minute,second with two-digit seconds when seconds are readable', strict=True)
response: 1,48,48
